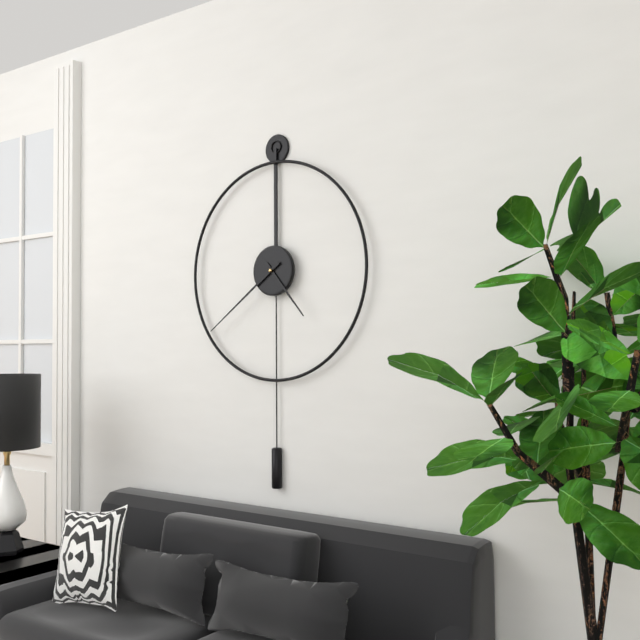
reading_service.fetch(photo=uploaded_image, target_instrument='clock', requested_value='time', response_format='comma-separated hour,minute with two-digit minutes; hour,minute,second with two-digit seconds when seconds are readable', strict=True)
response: 4,39
